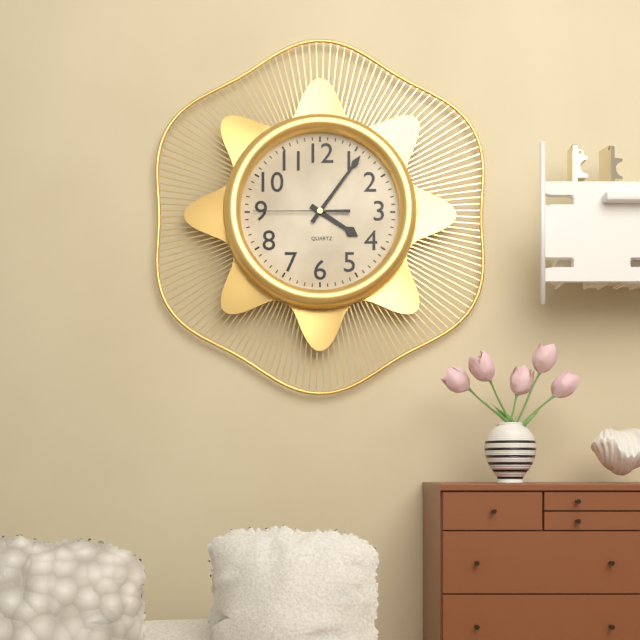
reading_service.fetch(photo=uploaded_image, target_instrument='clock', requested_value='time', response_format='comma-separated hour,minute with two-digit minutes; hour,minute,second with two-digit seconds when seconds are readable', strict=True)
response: 4,06,45
